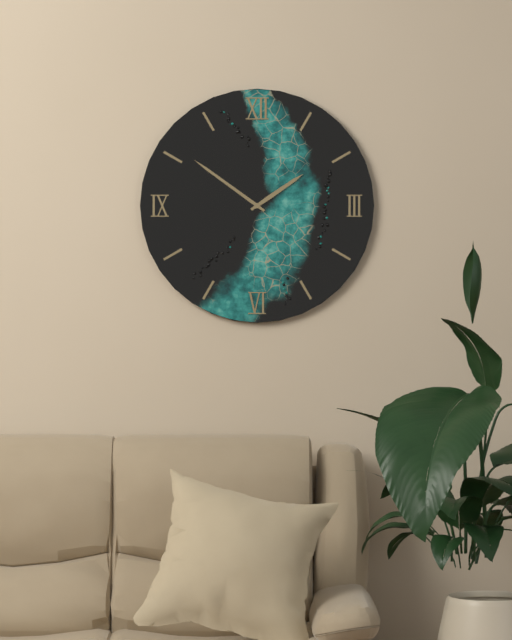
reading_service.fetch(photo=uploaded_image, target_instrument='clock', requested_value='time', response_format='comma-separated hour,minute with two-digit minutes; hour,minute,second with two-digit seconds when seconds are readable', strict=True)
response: 1,51
